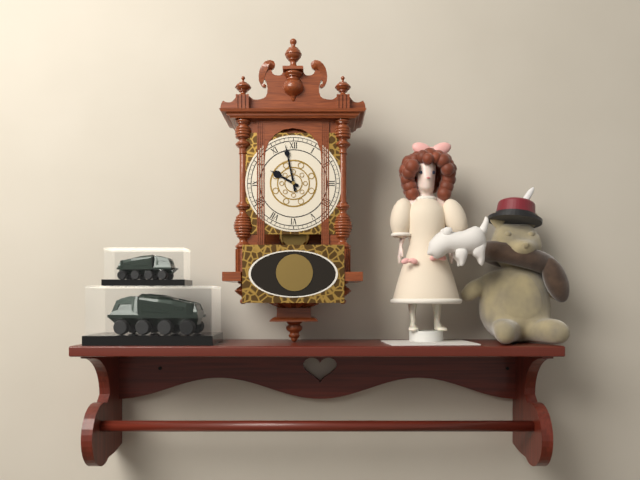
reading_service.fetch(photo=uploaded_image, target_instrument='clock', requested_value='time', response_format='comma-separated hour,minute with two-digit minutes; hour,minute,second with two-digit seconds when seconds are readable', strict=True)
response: 9,58
